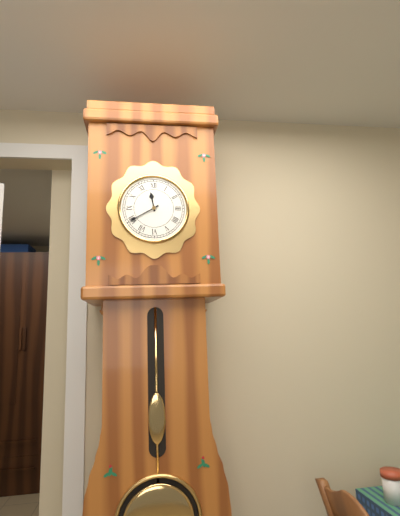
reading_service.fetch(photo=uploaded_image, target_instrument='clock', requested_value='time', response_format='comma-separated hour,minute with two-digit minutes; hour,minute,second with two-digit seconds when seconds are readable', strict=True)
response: 11,40
